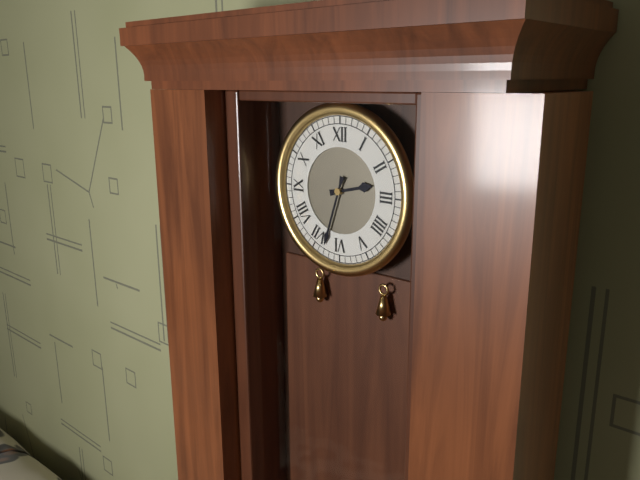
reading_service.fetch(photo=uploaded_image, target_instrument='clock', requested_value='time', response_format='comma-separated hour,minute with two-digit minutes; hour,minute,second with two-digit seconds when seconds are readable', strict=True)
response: 2,33
